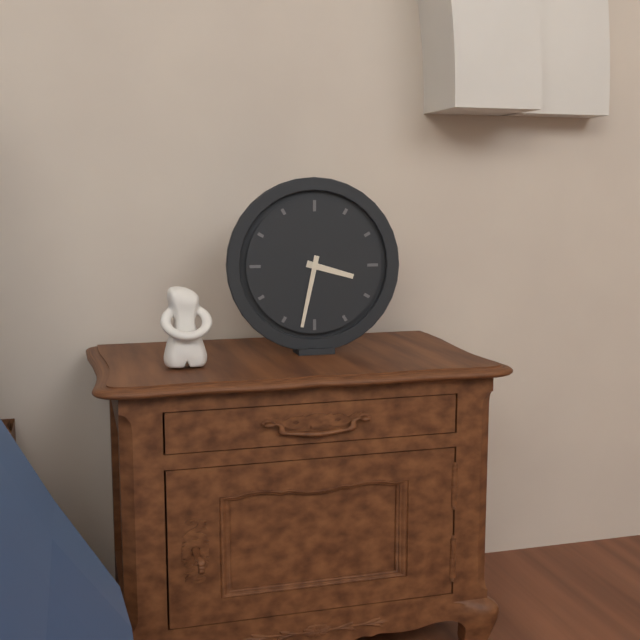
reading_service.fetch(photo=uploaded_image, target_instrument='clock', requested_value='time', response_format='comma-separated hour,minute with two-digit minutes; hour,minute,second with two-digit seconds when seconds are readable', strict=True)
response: 3,32
